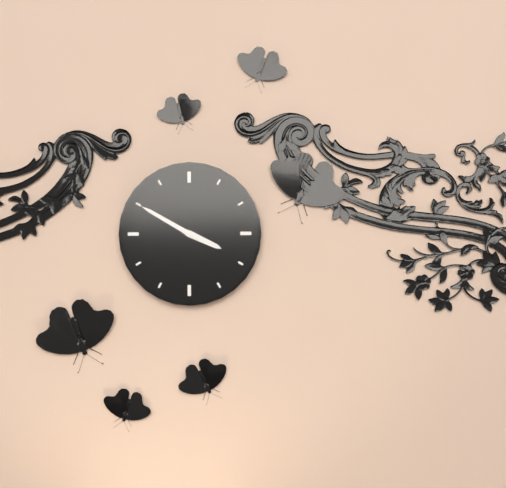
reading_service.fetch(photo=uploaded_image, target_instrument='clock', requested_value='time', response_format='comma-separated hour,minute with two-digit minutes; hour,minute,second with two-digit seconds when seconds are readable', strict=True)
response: 3,50
